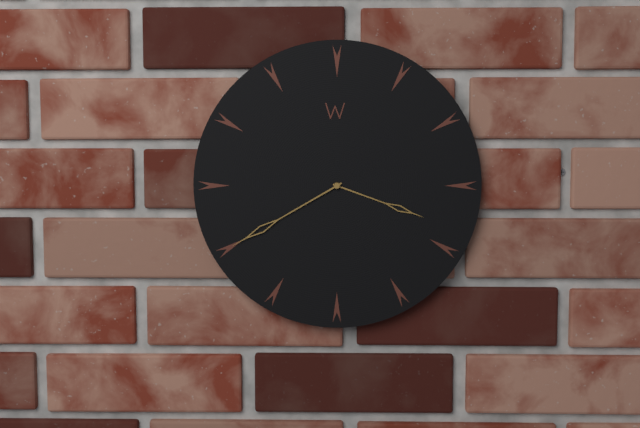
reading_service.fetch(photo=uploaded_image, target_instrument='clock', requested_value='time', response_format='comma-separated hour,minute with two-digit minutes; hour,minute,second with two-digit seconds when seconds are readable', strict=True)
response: 3,40
